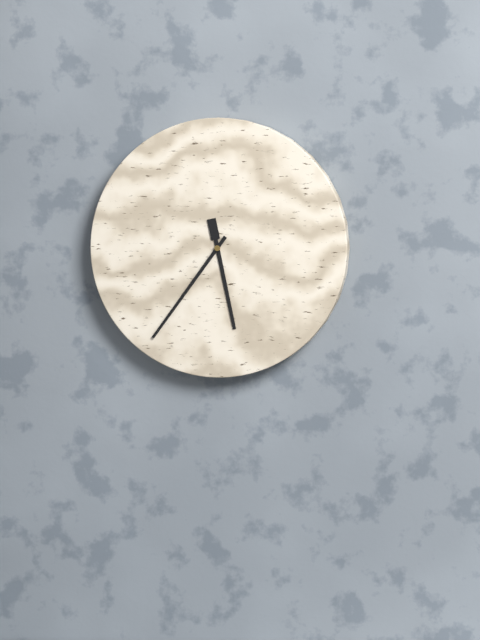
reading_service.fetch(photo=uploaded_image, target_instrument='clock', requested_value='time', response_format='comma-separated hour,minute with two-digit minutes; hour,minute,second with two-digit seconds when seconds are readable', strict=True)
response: 5,36
